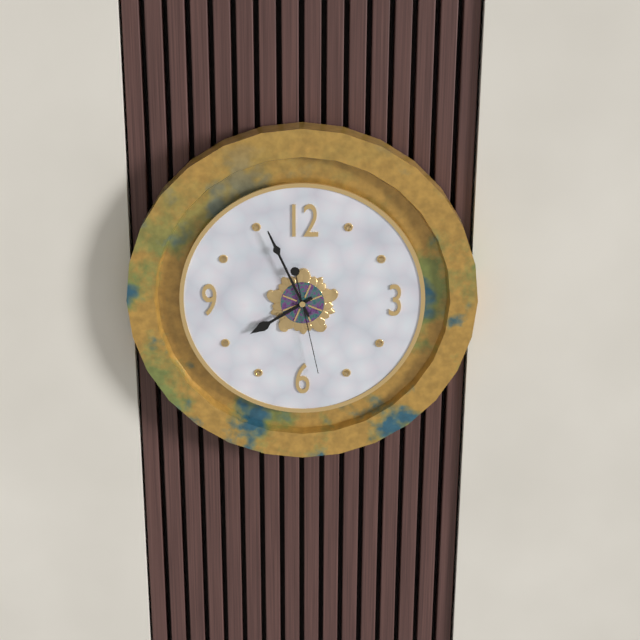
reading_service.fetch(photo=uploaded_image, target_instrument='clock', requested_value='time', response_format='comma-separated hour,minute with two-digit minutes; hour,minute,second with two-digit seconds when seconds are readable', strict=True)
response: 7,56,28
